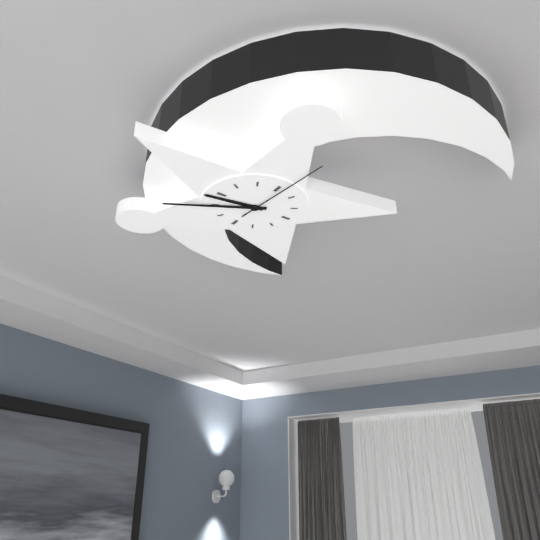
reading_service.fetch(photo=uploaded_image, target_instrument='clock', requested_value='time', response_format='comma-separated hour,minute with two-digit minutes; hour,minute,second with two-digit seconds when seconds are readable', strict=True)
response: 8,40,01
